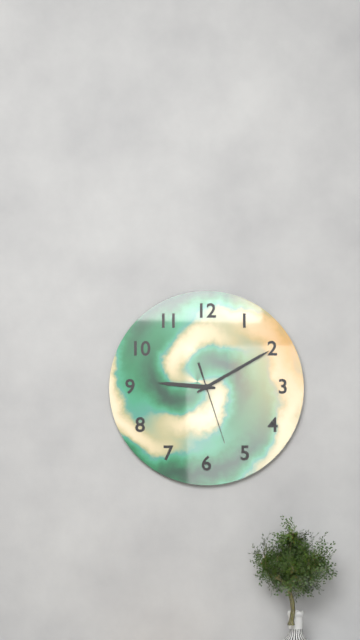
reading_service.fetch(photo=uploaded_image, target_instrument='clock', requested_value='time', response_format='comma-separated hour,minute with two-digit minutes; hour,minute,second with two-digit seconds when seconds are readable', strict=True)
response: 9,10,27
